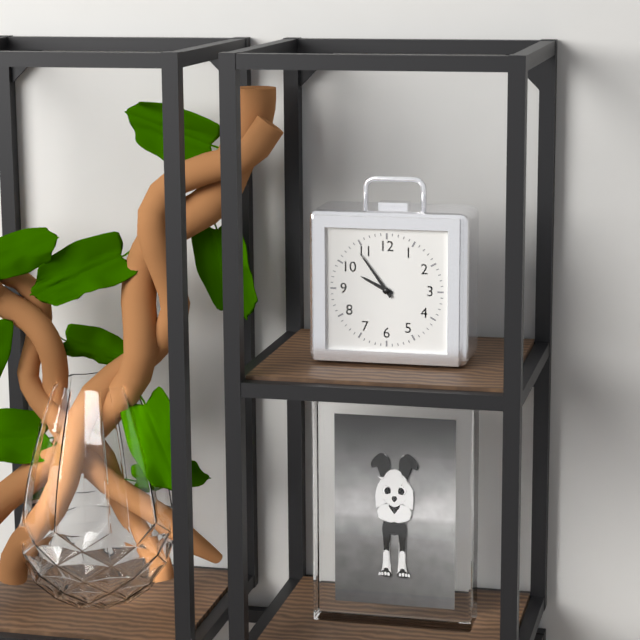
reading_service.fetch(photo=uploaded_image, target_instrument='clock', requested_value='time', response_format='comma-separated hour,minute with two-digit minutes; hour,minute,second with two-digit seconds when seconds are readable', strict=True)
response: 9,54
